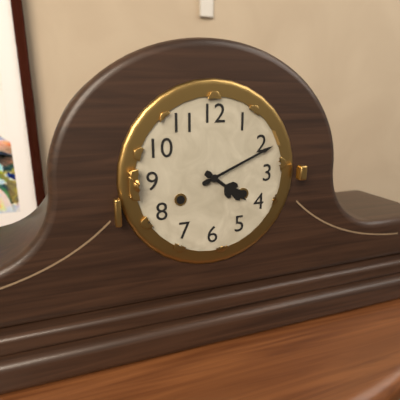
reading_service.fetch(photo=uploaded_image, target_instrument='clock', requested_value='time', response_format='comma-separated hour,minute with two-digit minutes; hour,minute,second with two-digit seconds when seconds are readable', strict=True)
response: 4,11
